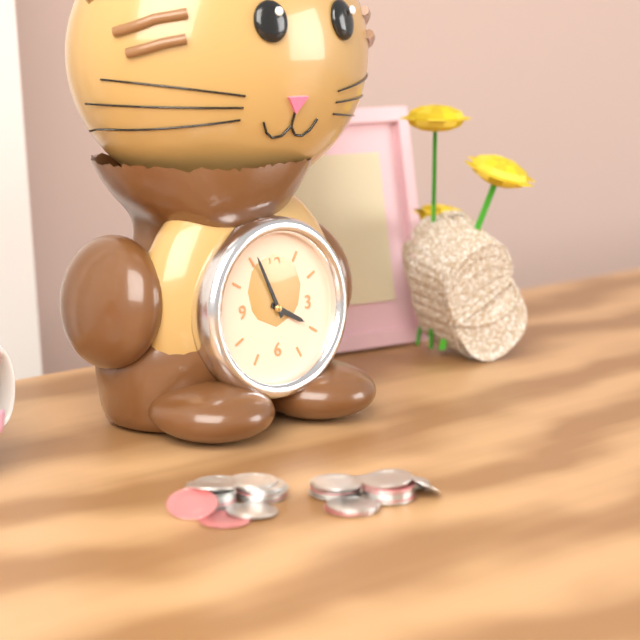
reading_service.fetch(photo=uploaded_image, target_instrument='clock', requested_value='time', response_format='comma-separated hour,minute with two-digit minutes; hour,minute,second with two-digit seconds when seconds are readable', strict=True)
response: 3,56
